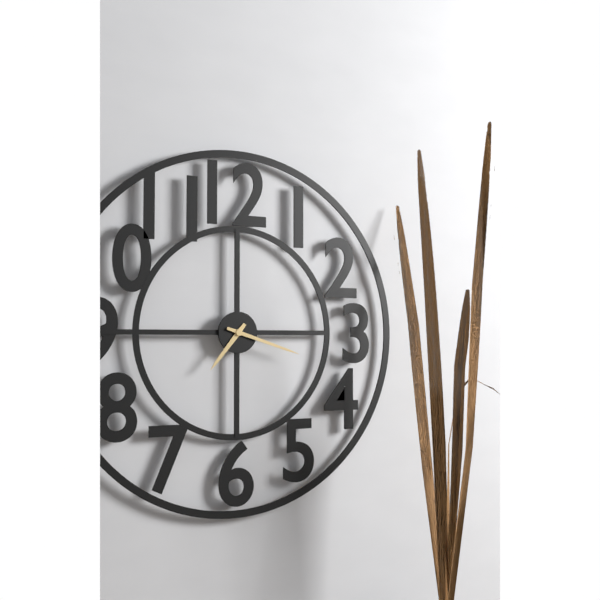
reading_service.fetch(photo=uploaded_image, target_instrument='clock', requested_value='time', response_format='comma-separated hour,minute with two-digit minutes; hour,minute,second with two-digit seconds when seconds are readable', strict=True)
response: 7,18
